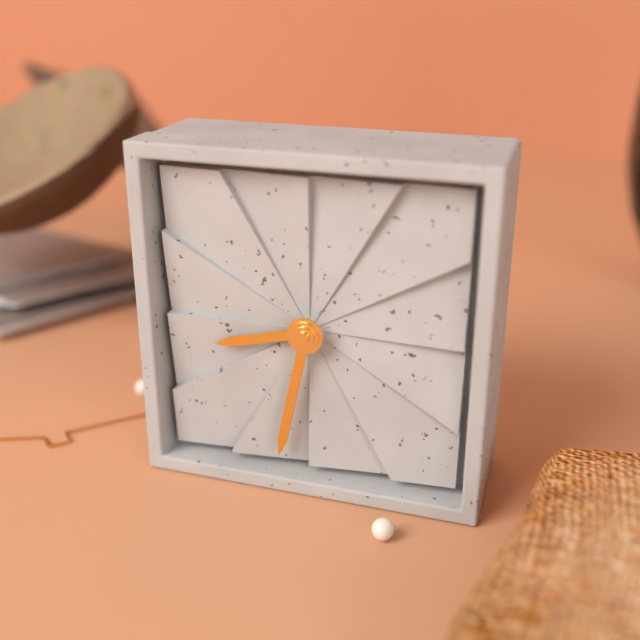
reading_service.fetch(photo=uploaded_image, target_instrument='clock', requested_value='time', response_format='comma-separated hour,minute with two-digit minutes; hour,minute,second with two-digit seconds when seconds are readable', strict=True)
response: 8,32
